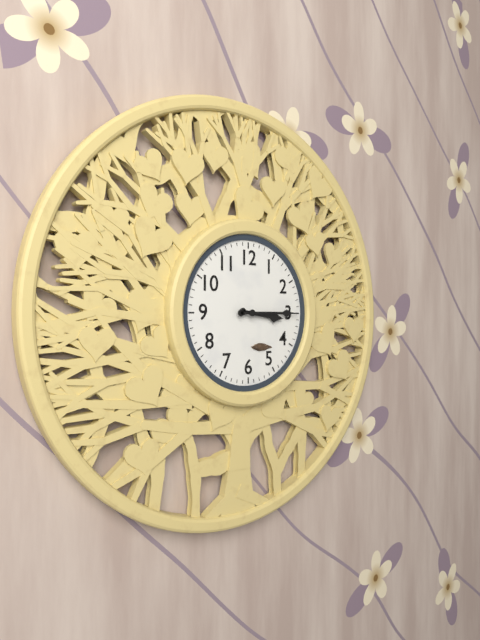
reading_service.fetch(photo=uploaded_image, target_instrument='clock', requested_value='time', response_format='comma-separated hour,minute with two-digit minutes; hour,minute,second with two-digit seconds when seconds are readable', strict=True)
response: 3,15
